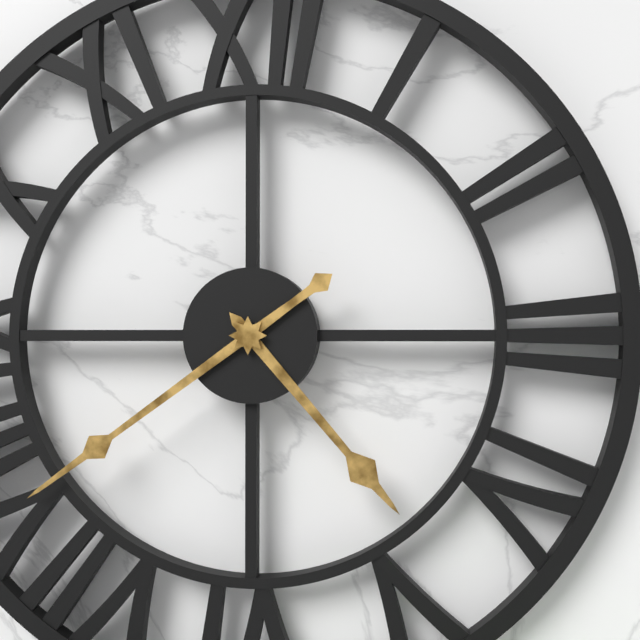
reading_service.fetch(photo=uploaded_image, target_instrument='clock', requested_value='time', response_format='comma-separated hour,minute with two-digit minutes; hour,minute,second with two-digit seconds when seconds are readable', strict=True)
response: 4,39
